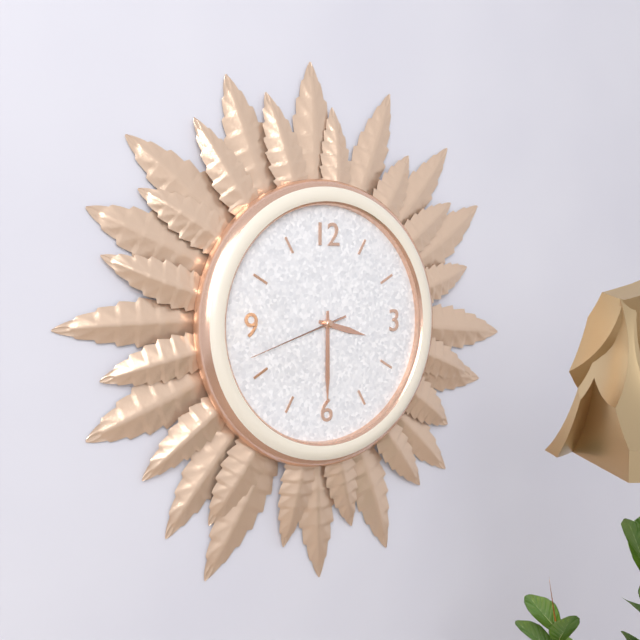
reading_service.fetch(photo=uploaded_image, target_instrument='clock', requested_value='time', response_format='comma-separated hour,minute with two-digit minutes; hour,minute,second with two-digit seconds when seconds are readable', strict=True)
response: 3,30,42
